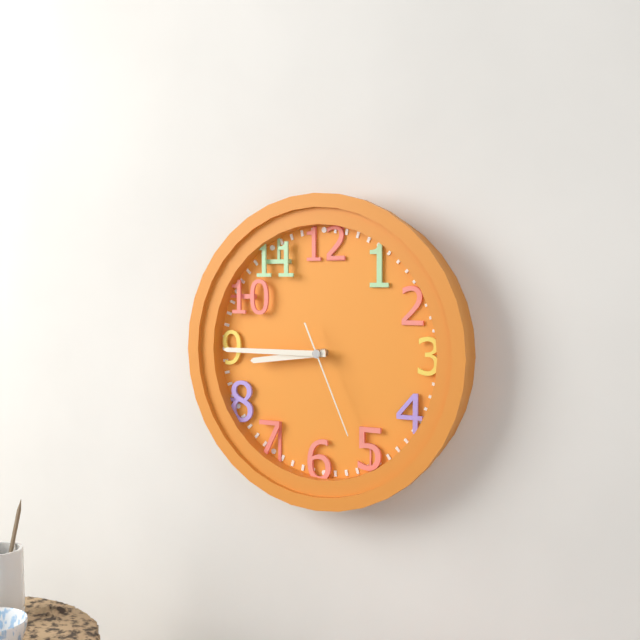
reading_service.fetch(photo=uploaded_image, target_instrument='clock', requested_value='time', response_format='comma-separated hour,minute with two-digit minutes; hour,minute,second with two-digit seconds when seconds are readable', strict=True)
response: 8,45,26
